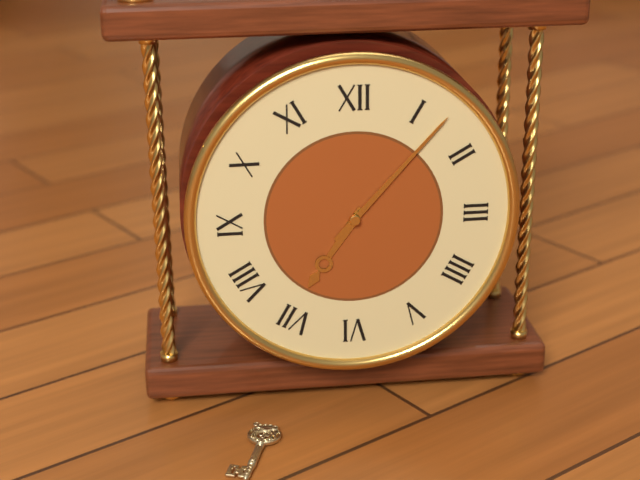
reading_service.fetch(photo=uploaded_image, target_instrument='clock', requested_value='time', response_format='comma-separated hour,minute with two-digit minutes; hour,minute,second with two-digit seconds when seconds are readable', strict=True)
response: 7,07
